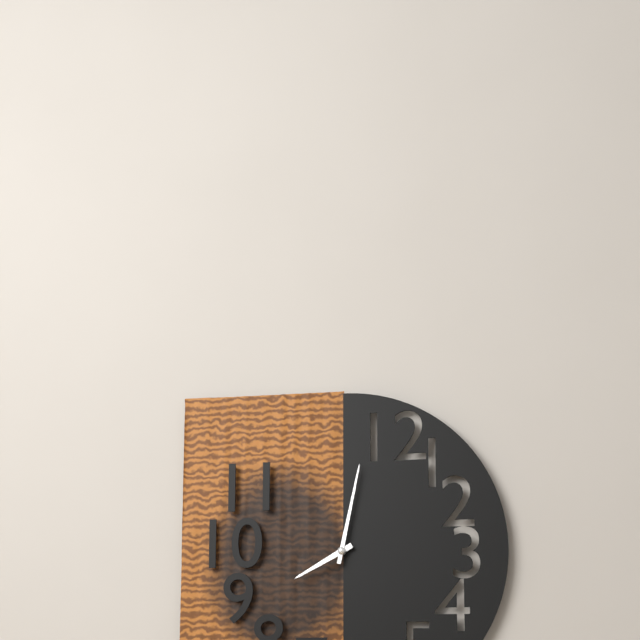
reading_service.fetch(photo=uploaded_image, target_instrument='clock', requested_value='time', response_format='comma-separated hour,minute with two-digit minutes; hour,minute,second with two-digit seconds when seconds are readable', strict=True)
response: 8,02
